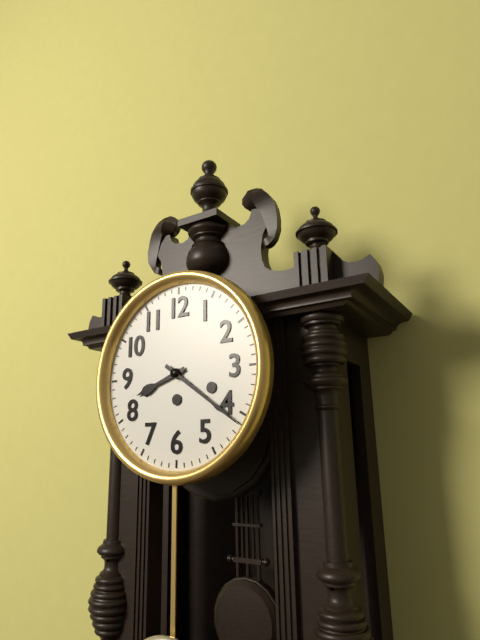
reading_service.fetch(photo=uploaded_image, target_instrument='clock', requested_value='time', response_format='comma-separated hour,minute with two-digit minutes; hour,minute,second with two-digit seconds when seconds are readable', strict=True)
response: 8,21
